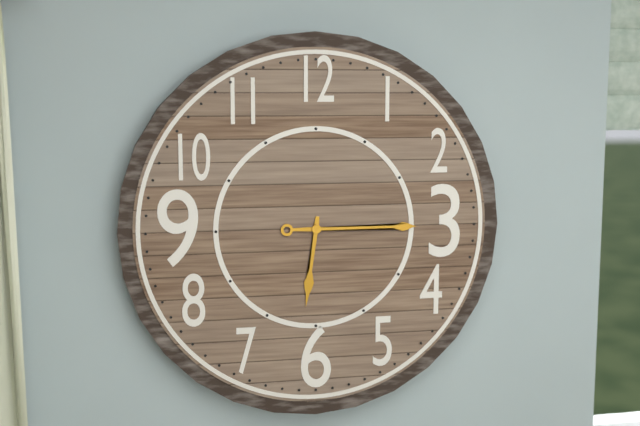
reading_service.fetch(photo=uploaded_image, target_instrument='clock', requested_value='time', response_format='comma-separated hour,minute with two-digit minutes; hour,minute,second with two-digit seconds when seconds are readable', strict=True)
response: 6,15
